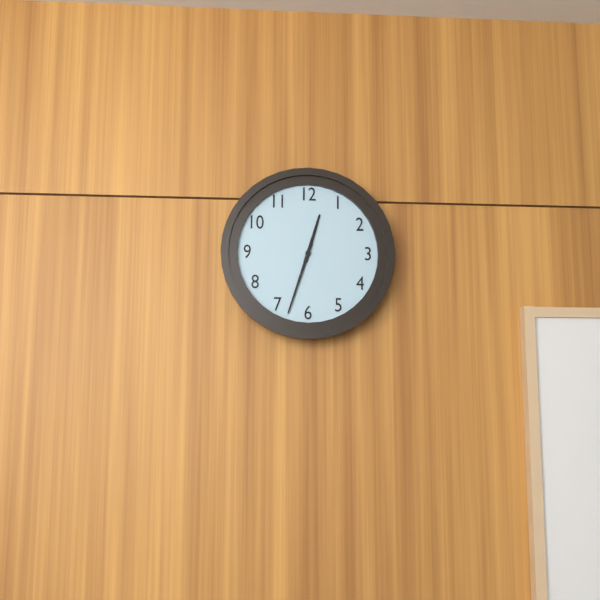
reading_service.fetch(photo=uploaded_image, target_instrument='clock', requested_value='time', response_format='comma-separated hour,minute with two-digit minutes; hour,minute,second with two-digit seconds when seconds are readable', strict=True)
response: 12,33
